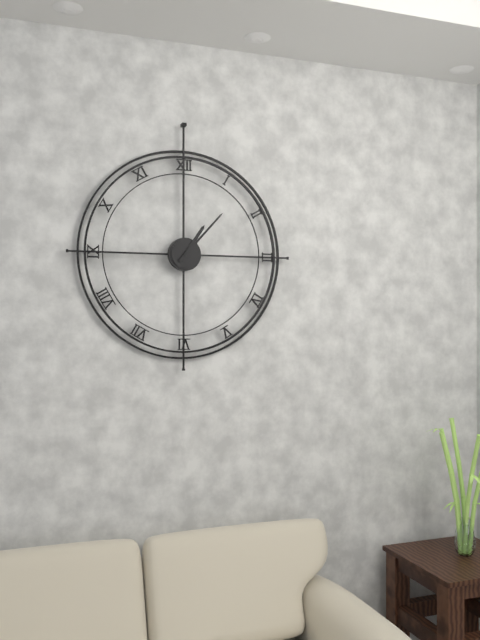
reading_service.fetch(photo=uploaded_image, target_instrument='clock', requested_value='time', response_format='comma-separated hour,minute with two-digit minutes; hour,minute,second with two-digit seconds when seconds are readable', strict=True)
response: 1,07
